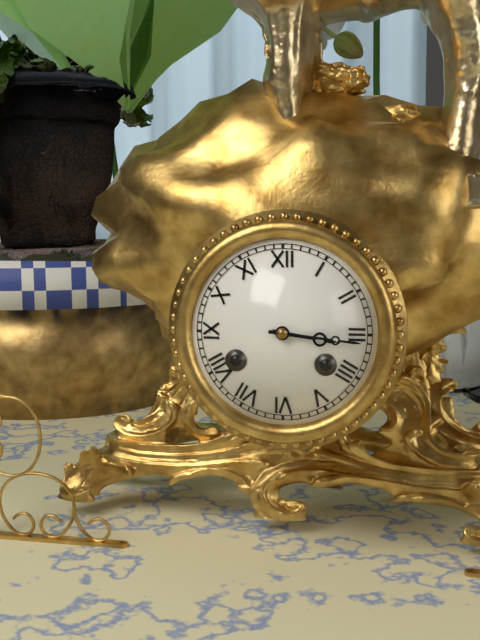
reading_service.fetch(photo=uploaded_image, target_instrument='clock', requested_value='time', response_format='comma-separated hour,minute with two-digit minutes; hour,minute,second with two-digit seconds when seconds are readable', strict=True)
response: 3,16
